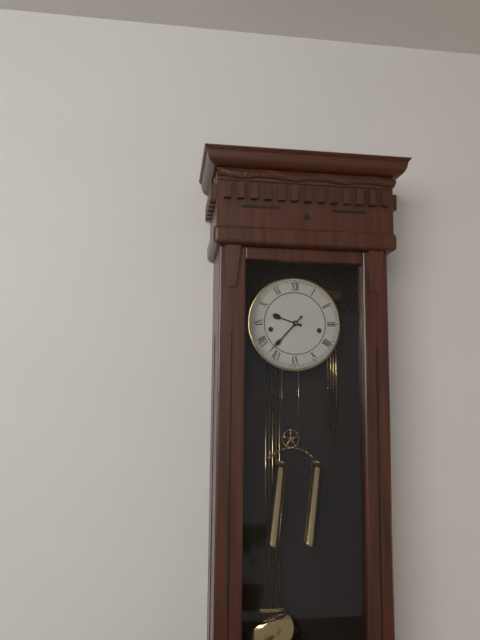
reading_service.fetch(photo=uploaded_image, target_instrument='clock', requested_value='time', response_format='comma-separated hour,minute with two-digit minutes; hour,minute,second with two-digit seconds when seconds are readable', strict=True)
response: 9,37
